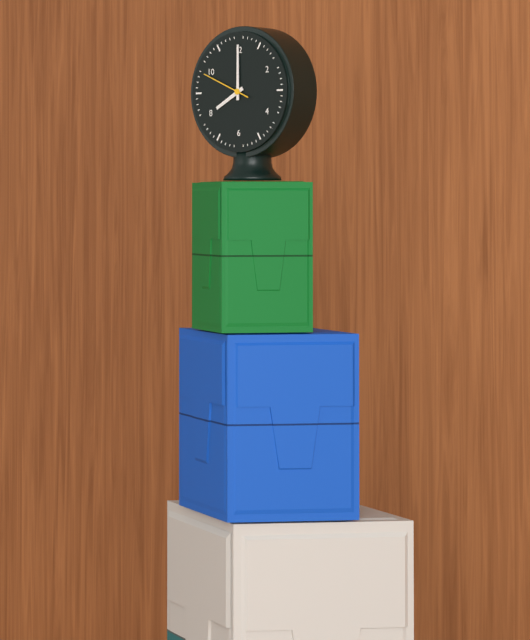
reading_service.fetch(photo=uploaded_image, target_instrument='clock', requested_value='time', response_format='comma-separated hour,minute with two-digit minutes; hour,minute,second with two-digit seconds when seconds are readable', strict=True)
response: 8,00
